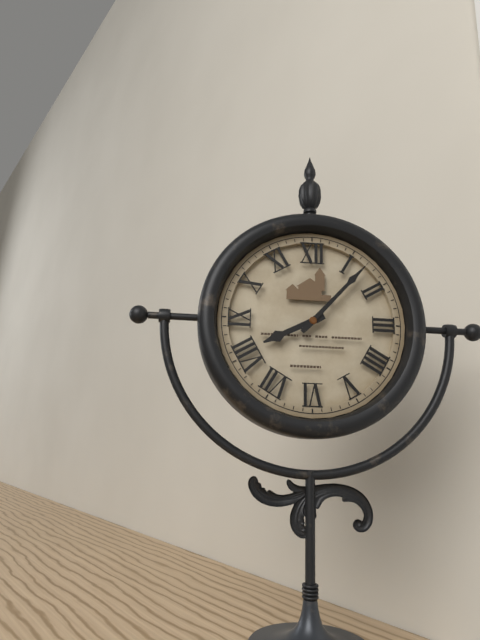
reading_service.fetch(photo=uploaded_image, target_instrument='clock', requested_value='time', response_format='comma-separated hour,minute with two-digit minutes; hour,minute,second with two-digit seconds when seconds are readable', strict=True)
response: 8,07
